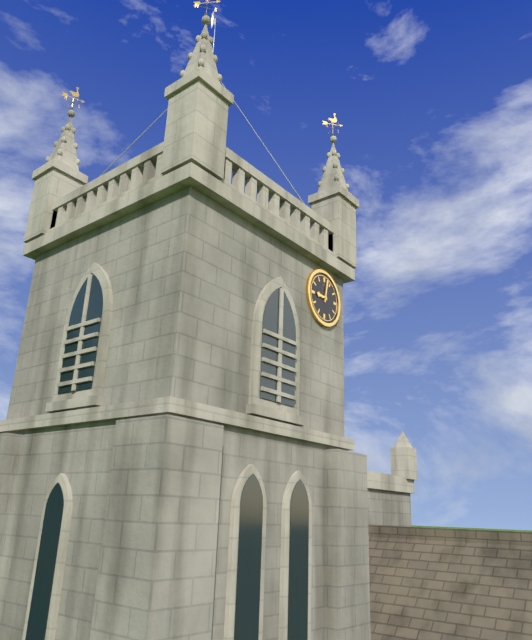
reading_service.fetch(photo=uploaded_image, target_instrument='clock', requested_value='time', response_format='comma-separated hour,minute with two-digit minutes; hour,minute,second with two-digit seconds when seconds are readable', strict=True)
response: 9,02
